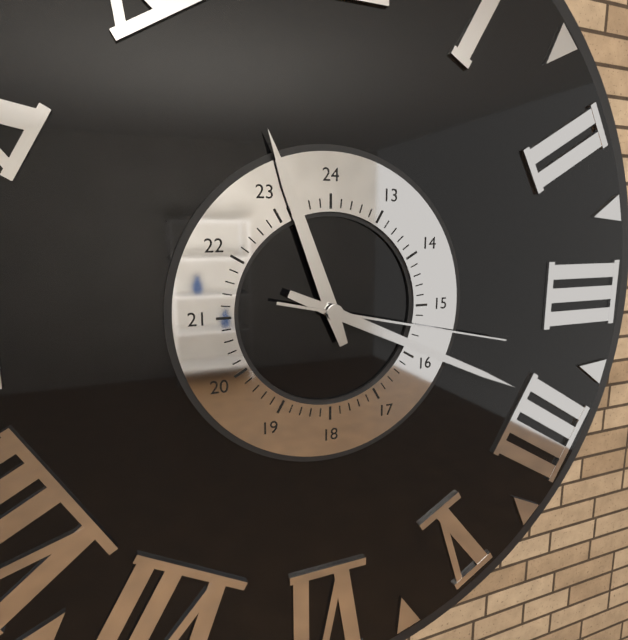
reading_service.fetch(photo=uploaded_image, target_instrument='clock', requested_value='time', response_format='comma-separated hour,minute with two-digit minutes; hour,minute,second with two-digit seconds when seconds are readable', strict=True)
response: 11,19,17
